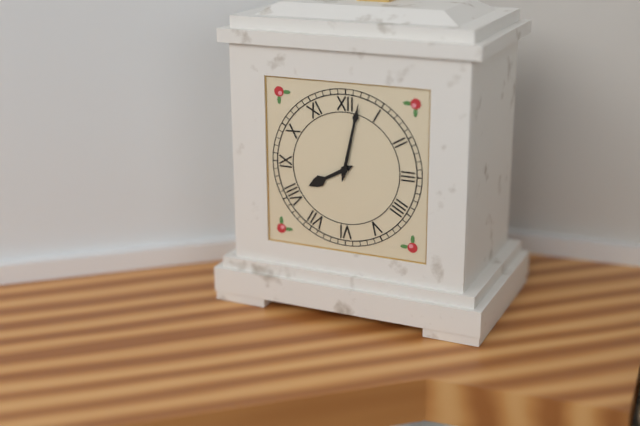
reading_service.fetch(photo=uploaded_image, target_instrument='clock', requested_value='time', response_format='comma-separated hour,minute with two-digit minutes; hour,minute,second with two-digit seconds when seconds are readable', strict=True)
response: 8,02
